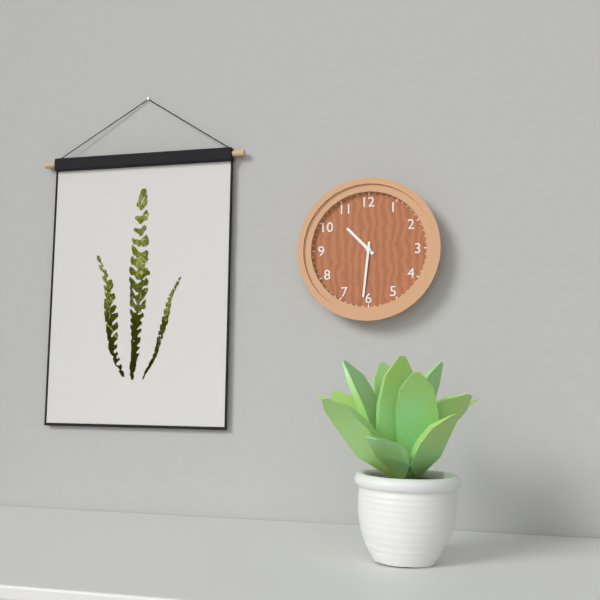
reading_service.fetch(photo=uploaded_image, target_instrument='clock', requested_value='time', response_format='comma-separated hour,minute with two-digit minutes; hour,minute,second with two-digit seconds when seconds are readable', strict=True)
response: 10,31
